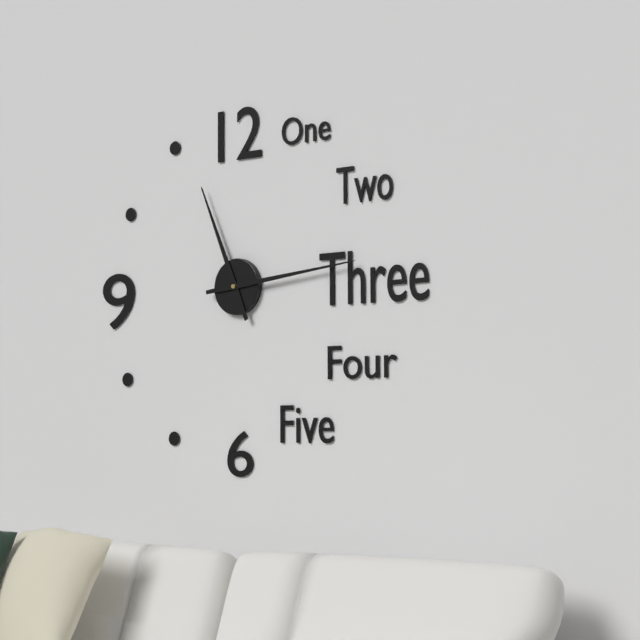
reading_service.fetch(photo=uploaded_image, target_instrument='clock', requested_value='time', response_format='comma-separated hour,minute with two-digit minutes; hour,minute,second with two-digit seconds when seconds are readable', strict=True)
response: 11,14
